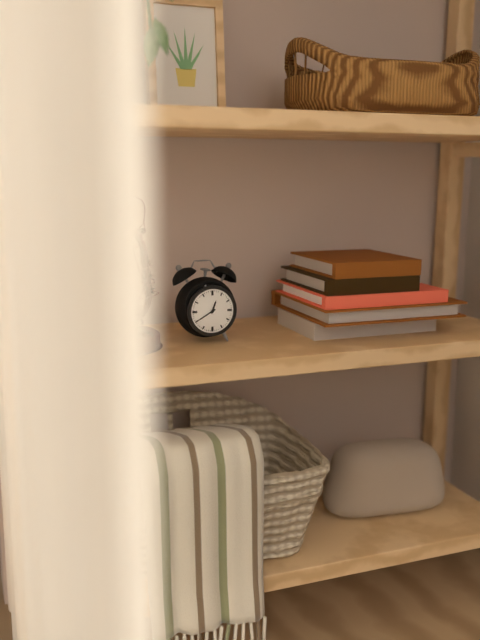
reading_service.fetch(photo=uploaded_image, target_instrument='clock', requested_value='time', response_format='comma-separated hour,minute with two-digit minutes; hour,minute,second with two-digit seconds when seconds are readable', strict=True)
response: 12,40
